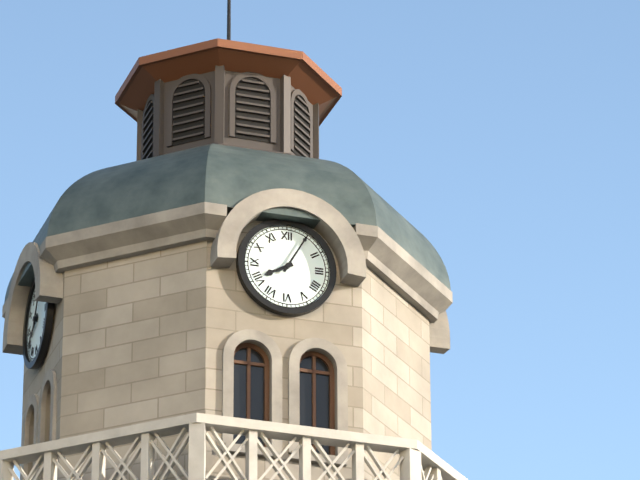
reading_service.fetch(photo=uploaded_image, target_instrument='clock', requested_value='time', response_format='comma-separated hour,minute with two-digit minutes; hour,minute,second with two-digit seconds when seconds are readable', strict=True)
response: 8,05
